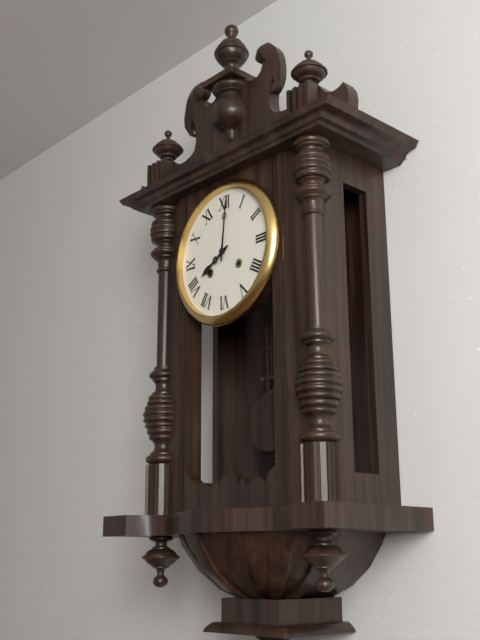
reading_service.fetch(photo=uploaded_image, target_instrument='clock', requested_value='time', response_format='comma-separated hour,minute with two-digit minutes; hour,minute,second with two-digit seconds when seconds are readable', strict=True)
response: 8,01
